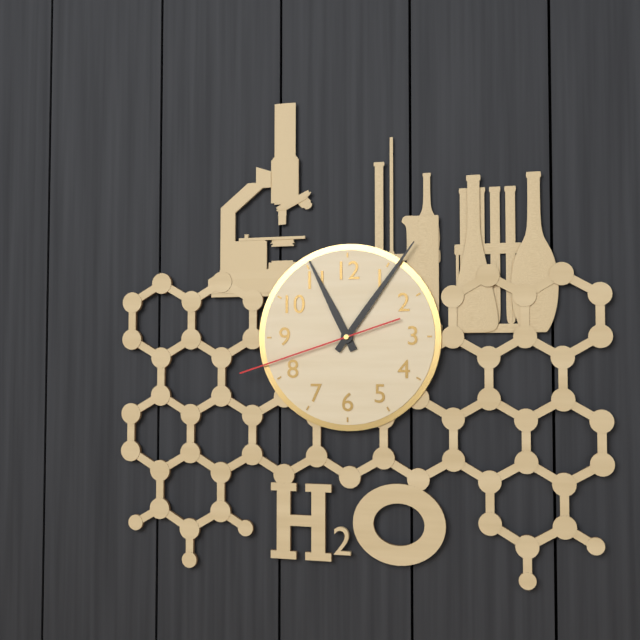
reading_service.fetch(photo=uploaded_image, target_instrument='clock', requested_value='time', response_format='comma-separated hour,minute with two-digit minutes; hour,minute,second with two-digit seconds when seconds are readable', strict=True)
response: 11,06,42
